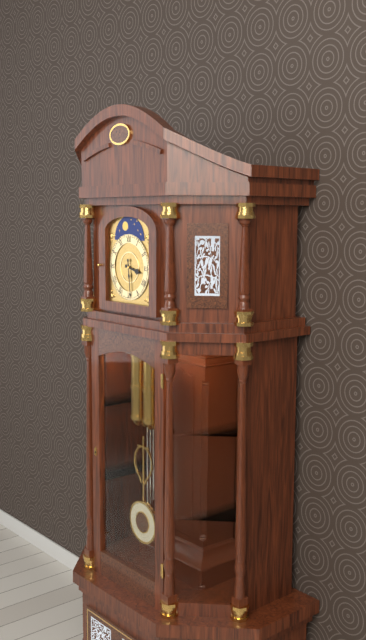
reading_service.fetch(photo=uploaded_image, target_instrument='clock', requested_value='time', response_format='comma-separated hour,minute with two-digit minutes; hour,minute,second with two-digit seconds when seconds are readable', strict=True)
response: 3,29
